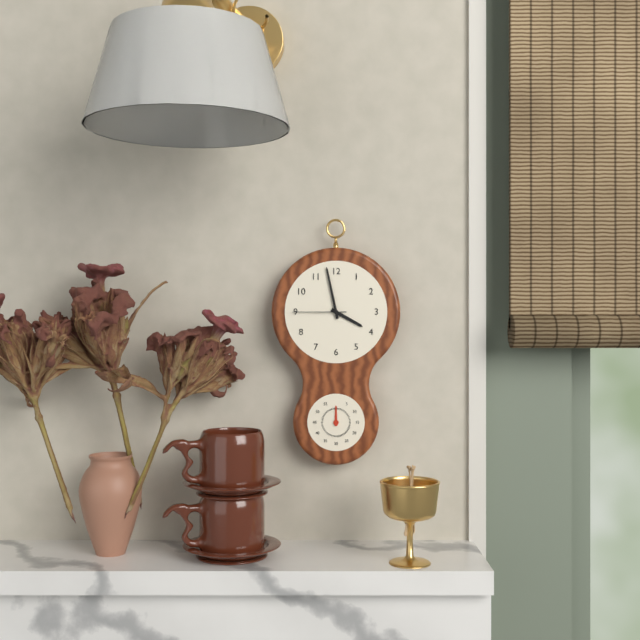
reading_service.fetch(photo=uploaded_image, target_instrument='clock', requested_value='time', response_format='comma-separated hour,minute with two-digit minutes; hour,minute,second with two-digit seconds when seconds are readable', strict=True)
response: 3,58,45
